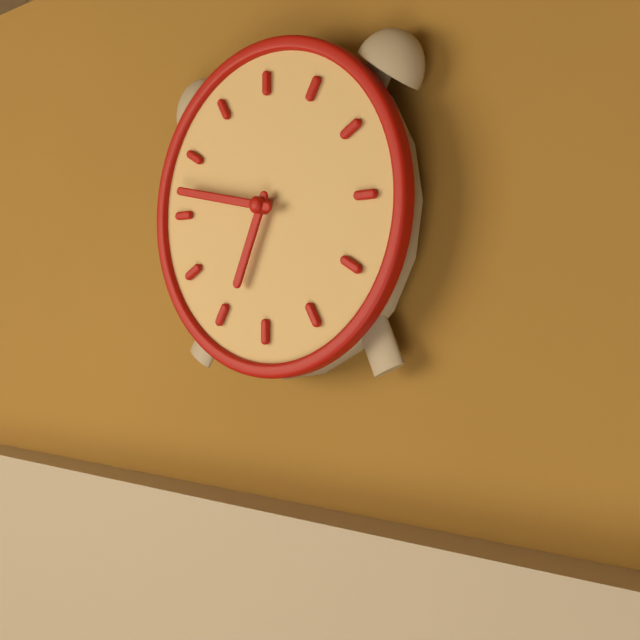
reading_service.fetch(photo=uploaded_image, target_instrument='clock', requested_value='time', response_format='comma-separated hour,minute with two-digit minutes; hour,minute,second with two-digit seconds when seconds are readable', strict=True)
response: 6,47
